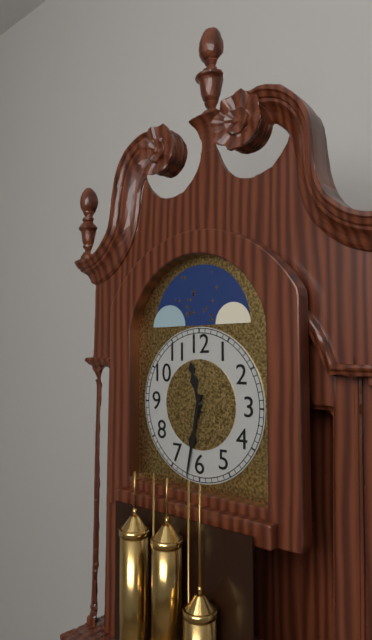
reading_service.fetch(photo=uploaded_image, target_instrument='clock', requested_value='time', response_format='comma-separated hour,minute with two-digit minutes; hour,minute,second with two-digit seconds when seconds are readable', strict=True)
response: 11,32
